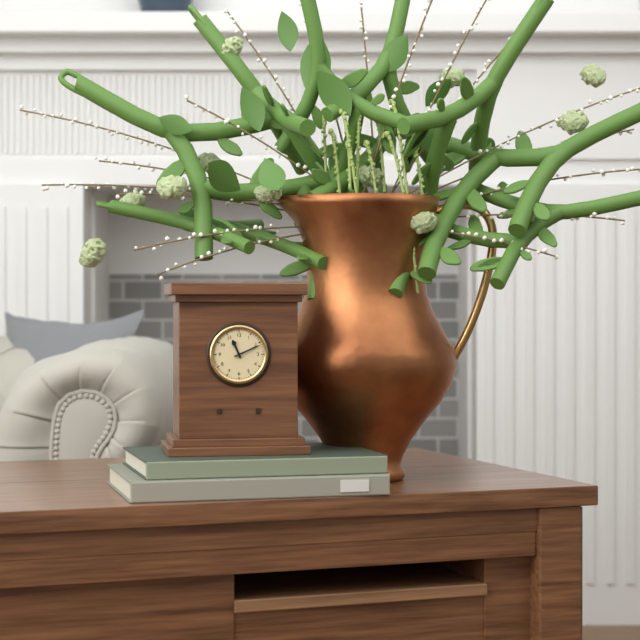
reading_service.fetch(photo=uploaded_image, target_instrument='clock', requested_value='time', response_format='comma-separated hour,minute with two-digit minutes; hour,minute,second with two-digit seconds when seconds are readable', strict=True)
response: 11,11
